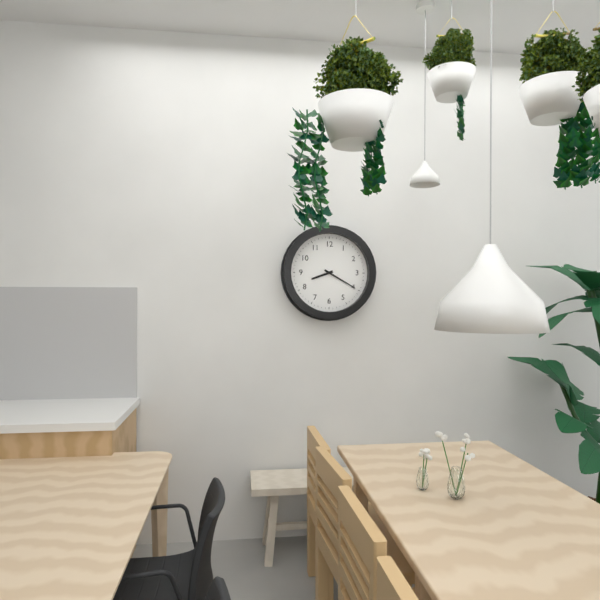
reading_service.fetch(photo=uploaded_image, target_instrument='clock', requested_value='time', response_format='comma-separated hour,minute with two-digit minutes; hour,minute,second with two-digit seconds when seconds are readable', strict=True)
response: 8,20
